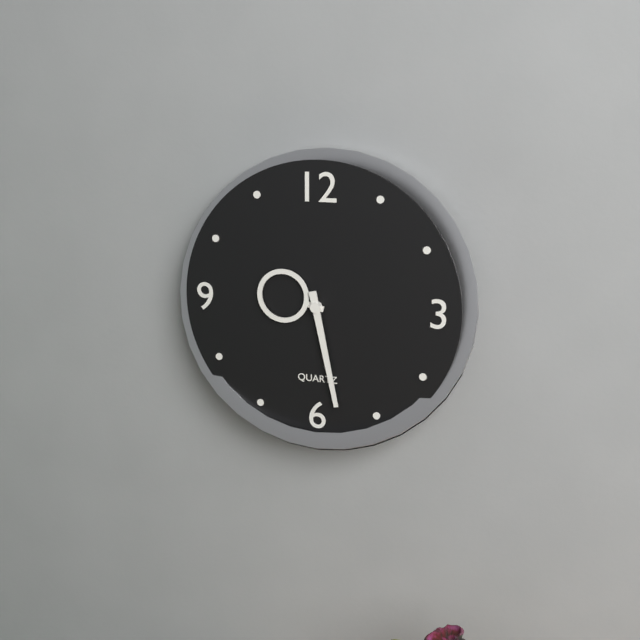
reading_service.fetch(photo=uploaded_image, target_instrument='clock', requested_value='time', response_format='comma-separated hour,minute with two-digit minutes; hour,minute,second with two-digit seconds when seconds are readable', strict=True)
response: 9,28
